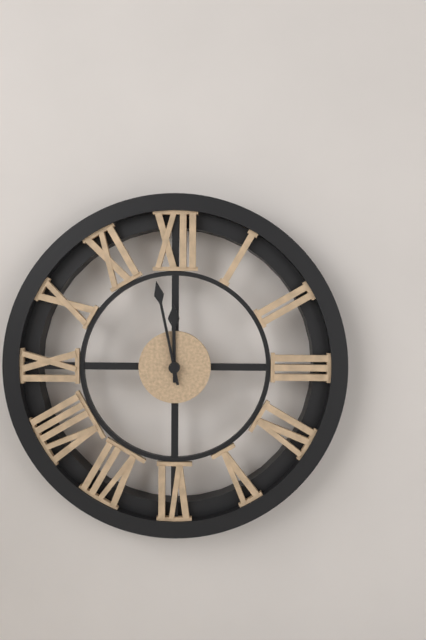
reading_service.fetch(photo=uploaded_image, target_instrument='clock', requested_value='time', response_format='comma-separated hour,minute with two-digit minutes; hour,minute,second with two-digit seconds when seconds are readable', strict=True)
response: 11,58
